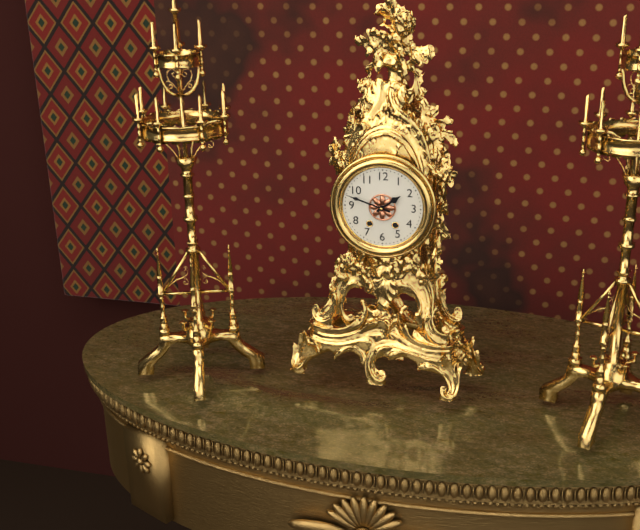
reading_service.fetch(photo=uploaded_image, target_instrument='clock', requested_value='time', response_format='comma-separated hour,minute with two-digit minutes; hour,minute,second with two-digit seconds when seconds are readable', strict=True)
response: 1,48
